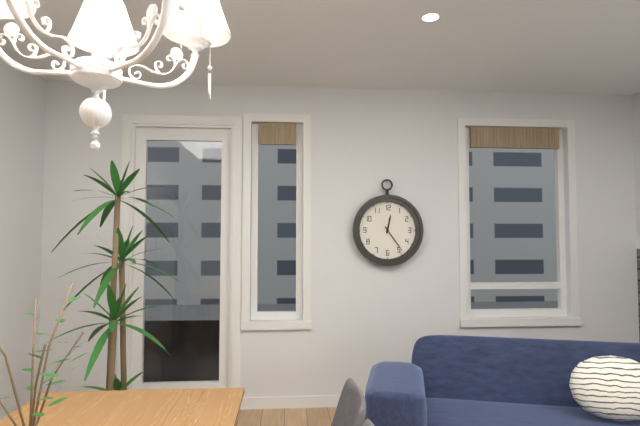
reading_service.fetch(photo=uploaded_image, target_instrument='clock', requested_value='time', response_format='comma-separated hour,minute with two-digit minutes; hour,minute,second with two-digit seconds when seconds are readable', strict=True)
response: 12,24
